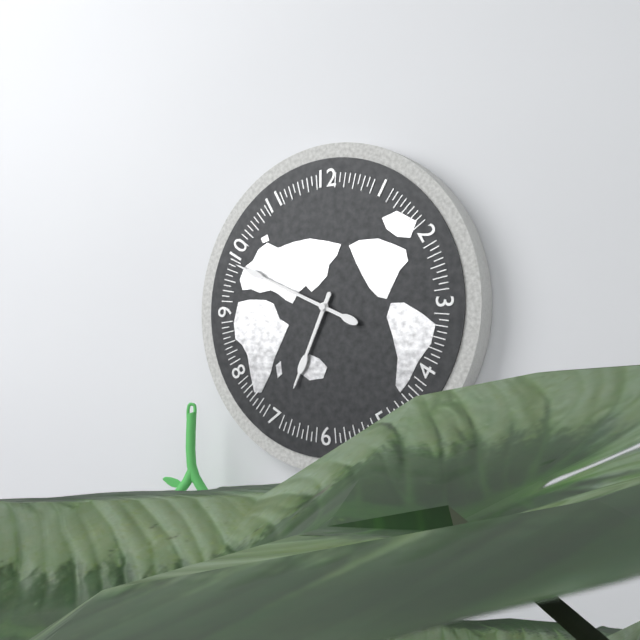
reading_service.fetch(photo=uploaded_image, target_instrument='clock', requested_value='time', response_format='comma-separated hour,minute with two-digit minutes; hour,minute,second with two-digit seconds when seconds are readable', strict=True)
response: 6,49
